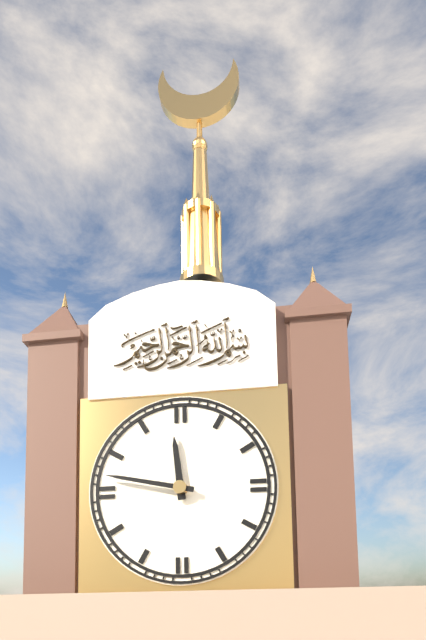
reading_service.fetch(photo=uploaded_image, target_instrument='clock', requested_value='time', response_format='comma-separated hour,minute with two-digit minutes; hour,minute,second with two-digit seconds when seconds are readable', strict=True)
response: 11,47
